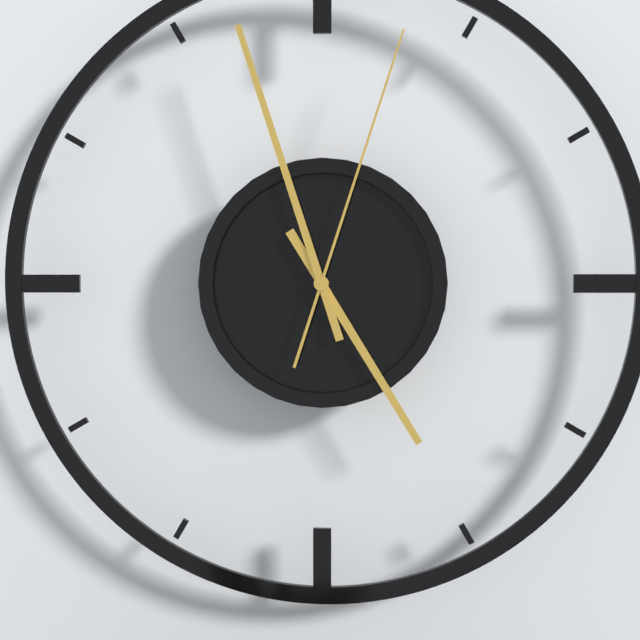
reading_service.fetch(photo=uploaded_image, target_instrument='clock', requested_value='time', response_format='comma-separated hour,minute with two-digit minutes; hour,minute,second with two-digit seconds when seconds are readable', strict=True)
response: 4,57,03
